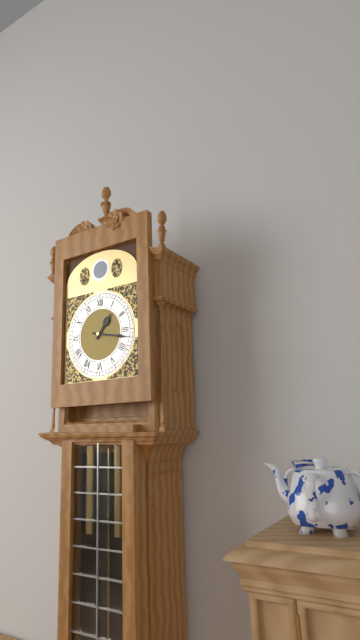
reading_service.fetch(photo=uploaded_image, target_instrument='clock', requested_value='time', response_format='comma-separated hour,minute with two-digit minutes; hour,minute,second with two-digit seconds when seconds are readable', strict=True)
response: 1,17
